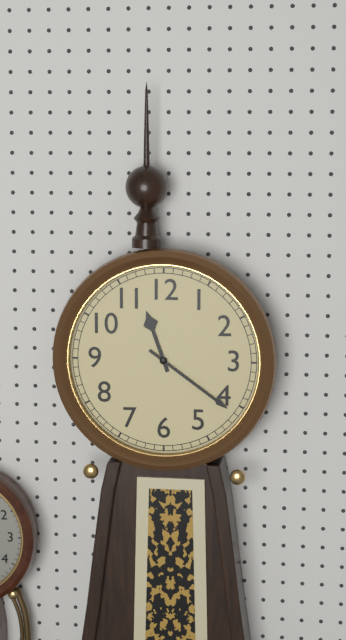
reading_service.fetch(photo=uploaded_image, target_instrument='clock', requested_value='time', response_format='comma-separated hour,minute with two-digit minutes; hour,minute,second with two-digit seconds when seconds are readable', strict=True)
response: 11,21
